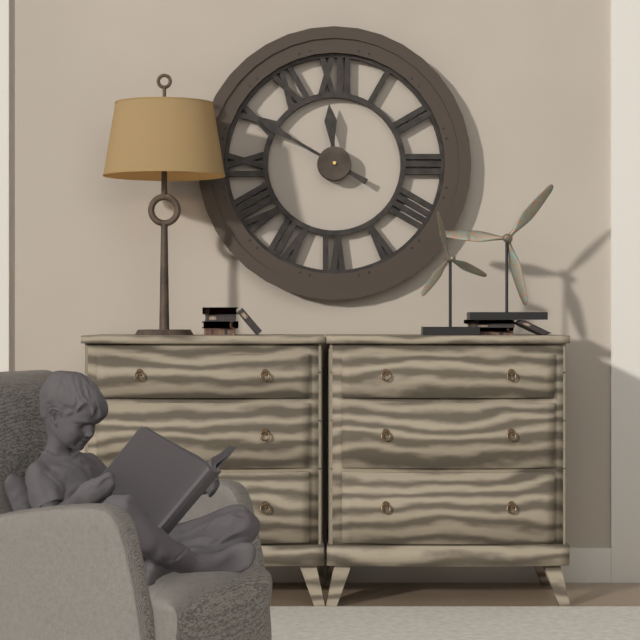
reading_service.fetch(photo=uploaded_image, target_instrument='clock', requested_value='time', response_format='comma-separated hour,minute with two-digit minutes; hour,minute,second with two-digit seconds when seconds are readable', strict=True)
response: 11,50
